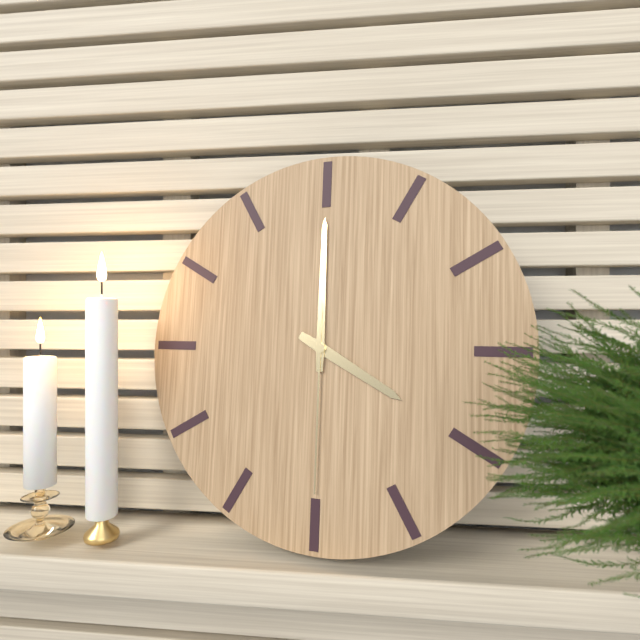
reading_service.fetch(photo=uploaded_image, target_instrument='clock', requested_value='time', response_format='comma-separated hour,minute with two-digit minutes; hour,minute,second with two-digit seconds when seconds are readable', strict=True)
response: 4,00,30
